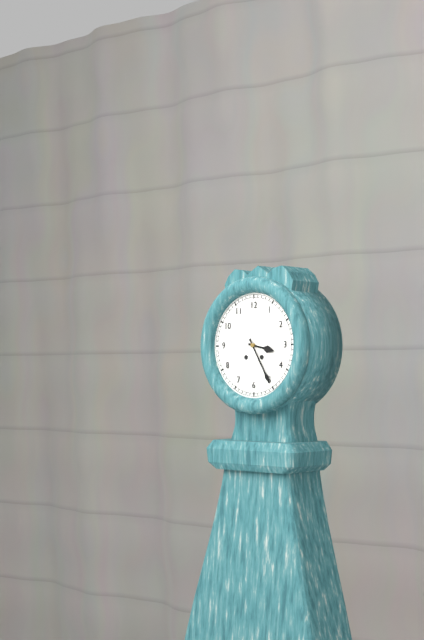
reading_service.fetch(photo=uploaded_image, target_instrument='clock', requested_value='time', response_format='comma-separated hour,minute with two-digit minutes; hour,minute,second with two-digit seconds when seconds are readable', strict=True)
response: 3,25
